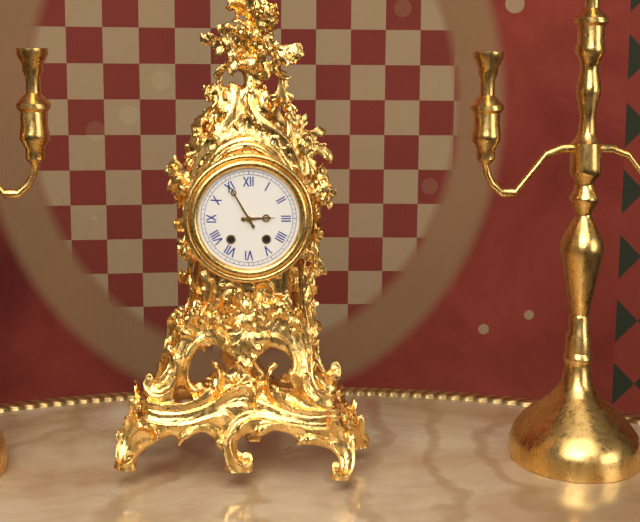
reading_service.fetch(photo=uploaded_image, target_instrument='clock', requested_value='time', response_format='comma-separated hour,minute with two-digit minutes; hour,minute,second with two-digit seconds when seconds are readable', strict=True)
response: 2,55
